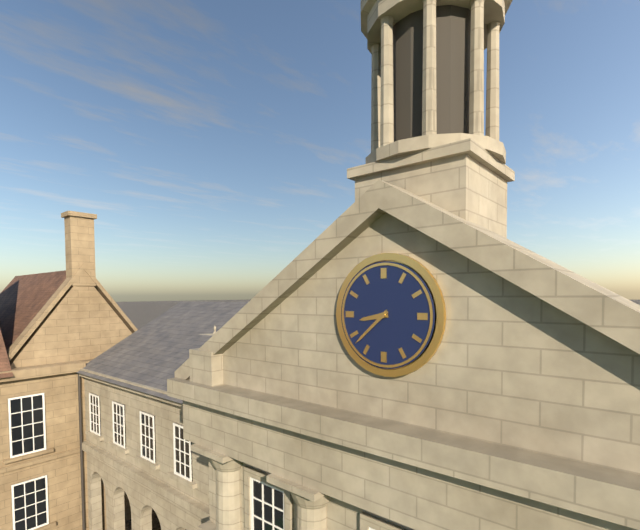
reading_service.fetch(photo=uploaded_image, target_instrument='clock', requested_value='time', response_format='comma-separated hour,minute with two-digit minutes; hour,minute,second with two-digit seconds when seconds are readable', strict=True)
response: 8,38
